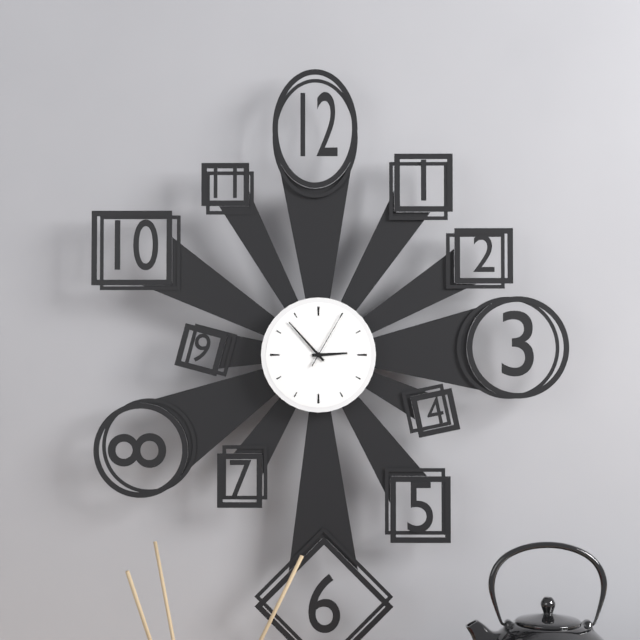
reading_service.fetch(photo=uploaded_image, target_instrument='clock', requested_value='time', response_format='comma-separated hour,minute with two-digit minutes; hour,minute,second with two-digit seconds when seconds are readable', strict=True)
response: 2,53,05
